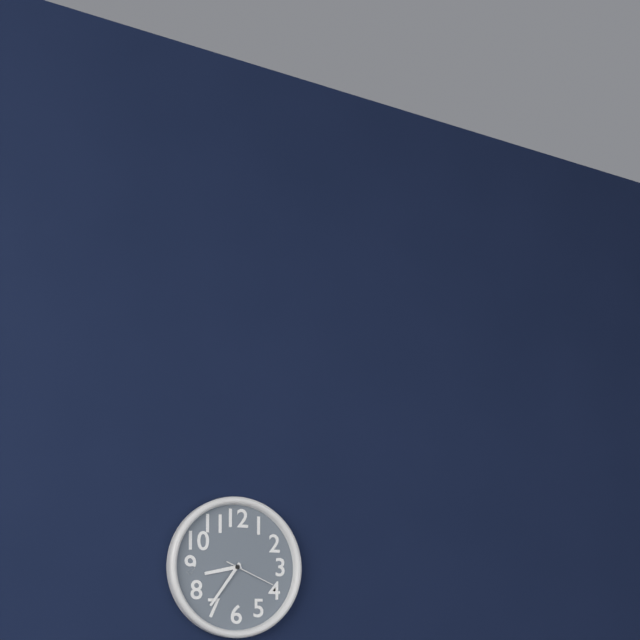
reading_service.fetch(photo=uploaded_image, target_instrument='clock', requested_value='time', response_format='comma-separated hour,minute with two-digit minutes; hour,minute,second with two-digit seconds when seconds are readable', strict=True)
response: 8,36,19
